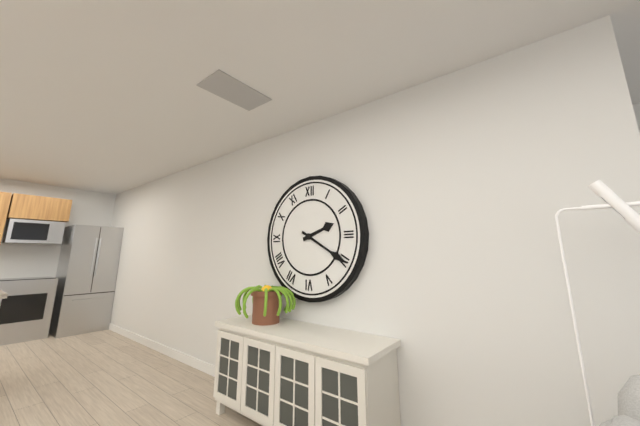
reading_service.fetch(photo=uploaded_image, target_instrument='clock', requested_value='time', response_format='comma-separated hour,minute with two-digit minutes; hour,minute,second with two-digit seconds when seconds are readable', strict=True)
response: 2,20
